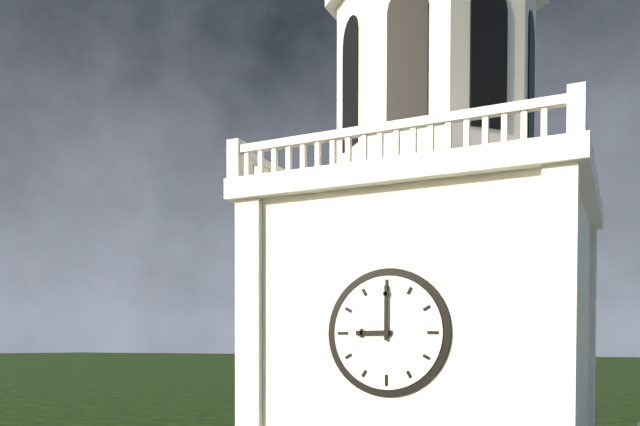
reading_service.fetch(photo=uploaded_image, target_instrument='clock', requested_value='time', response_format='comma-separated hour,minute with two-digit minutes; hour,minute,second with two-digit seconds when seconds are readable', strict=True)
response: 9,00
